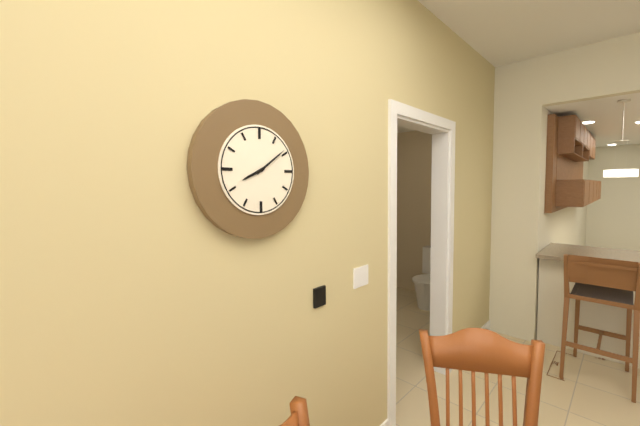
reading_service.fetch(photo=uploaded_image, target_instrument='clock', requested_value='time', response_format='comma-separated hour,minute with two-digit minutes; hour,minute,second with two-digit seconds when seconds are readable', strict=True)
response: 8,09
